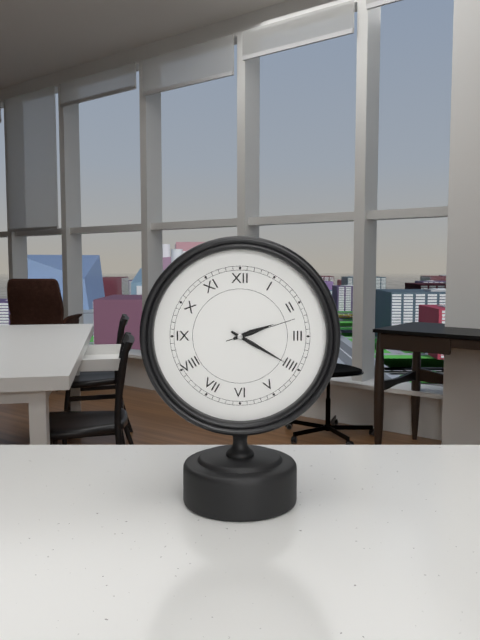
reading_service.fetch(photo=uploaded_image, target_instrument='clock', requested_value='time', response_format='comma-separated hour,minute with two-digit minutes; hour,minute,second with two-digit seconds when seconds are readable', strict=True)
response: 2,20,12
